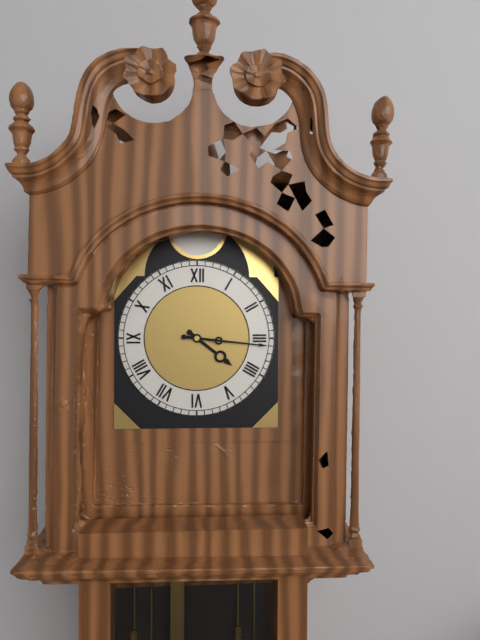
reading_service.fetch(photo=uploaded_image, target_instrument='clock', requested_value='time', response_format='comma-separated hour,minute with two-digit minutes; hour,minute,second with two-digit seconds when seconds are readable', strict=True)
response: 4,16
